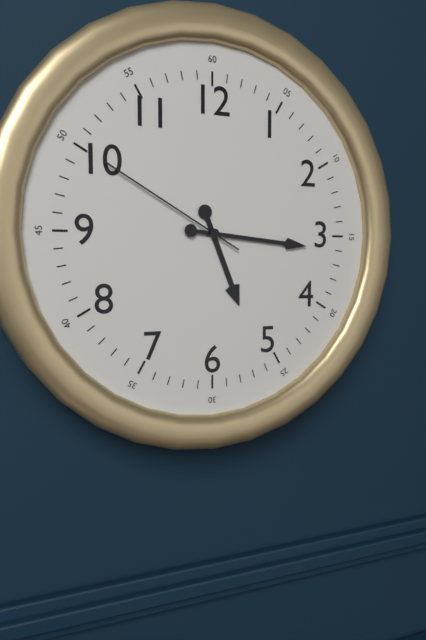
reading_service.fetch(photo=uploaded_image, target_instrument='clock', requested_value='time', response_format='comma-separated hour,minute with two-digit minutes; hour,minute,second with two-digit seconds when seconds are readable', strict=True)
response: 5,16,50
